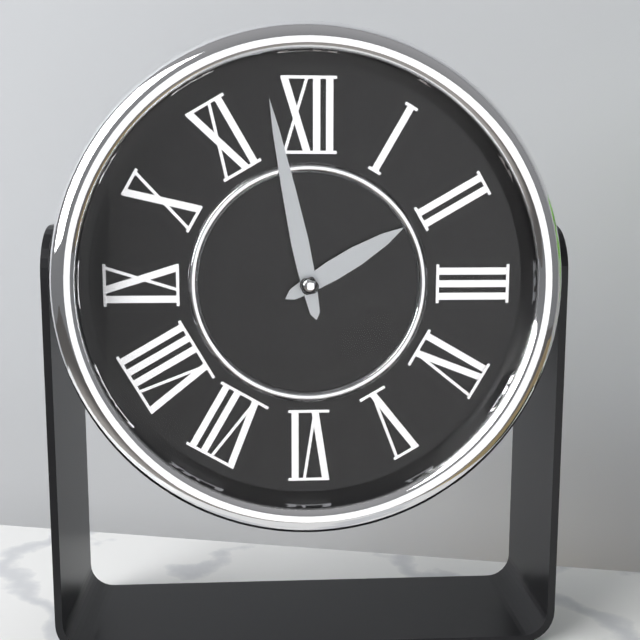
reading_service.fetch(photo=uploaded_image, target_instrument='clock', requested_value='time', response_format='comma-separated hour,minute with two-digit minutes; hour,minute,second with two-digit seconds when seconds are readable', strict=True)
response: 1,58
